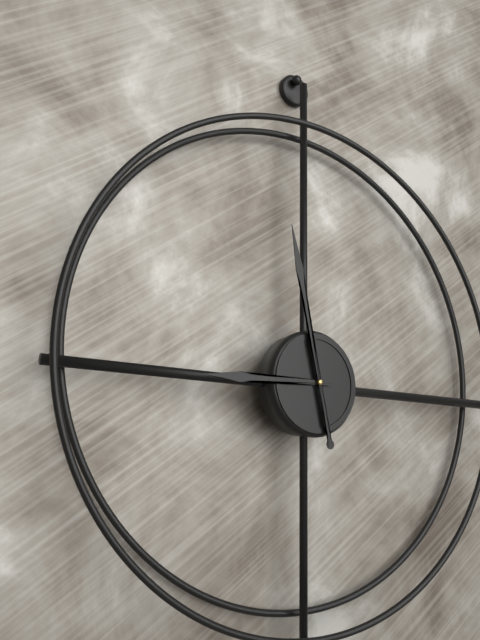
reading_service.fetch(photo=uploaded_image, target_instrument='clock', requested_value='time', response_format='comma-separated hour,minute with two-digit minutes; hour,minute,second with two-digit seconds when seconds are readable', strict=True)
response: 8,58
